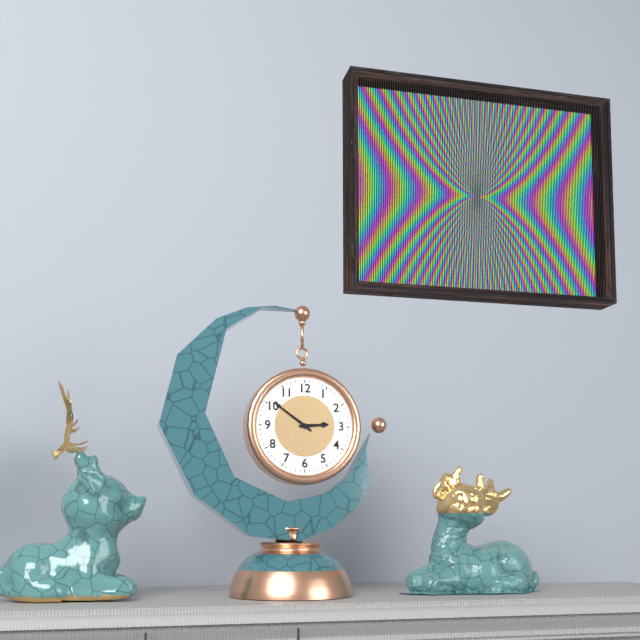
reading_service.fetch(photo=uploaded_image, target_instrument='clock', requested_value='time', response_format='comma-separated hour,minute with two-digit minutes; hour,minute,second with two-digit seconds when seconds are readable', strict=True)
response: 2,51
